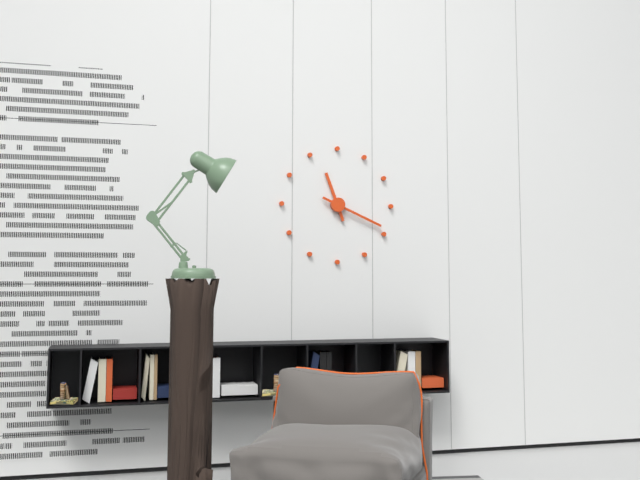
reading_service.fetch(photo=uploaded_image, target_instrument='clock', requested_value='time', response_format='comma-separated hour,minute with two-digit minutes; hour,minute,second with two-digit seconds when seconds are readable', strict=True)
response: 11,19
